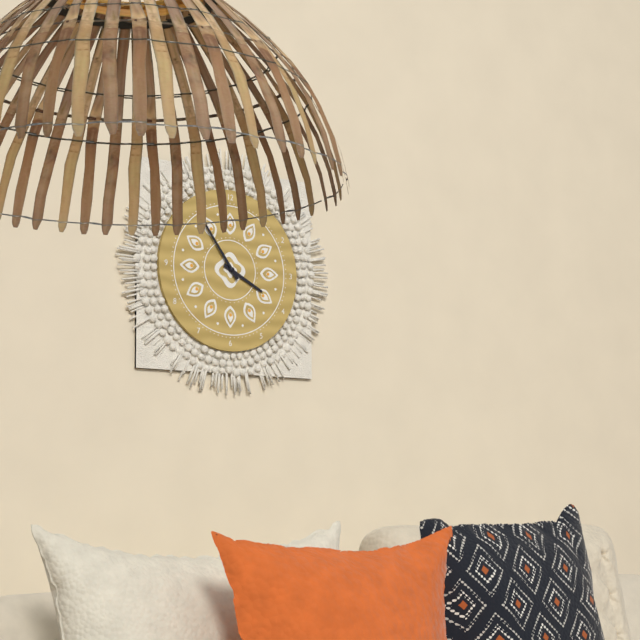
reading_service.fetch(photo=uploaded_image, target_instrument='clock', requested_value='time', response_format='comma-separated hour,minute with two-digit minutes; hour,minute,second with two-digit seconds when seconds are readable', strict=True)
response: 3,54
